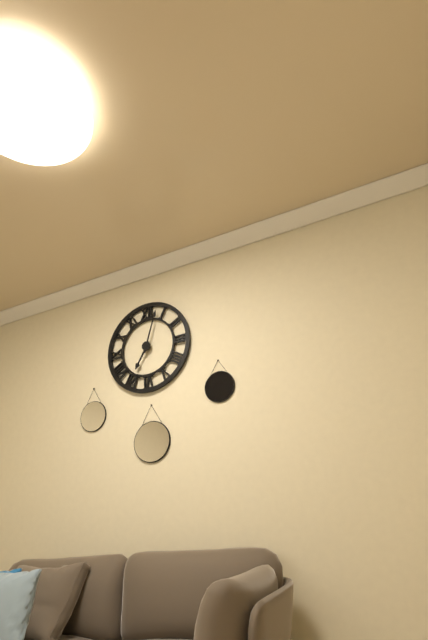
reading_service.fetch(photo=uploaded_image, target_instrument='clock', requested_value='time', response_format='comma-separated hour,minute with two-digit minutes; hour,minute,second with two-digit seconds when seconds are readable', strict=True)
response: 7,03
